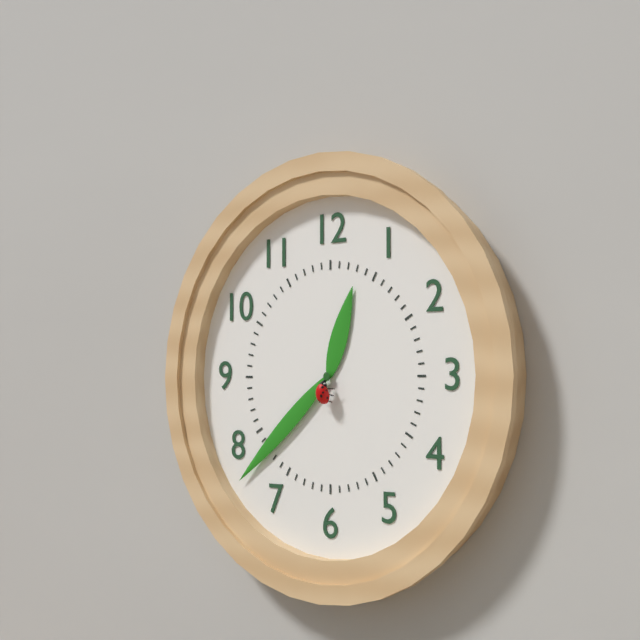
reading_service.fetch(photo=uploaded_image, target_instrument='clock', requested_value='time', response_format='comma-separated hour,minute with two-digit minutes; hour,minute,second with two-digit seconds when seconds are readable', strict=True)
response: 12,38
